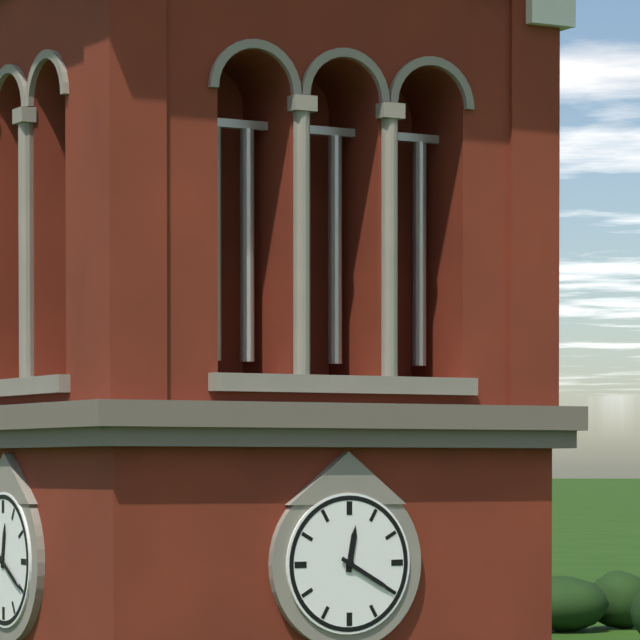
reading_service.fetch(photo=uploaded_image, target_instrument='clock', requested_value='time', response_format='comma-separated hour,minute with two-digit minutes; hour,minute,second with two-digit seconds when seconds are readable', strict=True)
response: 12,20
